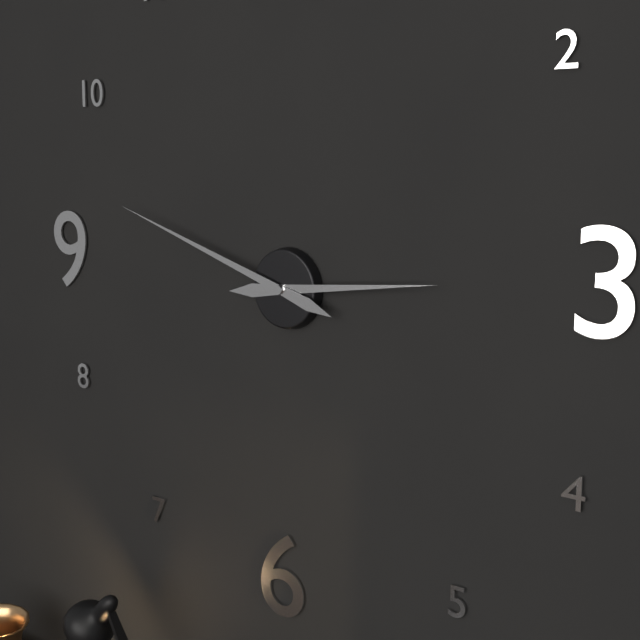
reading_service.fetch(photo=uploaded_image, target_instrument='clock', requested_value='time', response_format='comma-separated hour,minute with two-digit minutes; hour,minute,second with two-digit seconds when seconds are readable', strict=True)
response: 2,48
